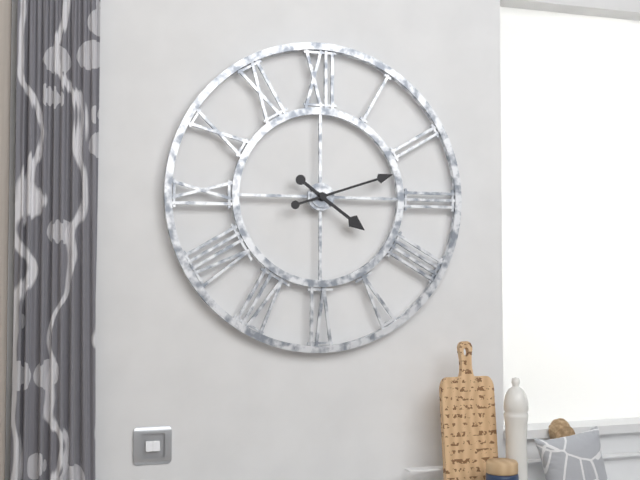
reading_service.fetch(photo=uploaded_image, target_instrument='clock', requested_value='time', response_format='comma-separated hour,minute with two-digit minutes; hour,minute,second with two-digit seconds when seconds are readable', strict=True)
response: 4,12
